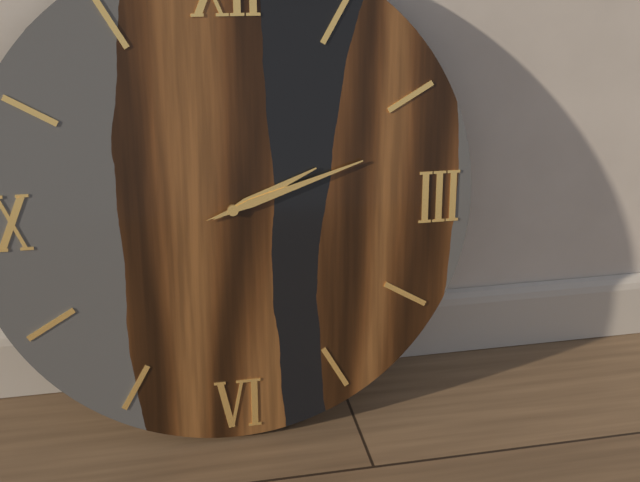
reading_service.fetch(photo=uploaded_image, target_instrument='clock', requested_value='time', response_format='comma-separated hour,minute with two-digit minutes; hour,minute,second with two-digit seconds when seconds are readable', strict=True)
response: 2,12
